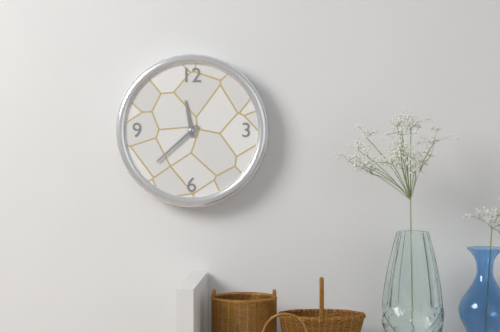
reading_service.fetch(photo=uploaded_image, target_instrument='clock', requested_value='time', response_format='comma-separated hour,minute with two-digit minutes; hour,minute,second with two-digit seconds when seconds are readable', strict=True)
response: 11,38
